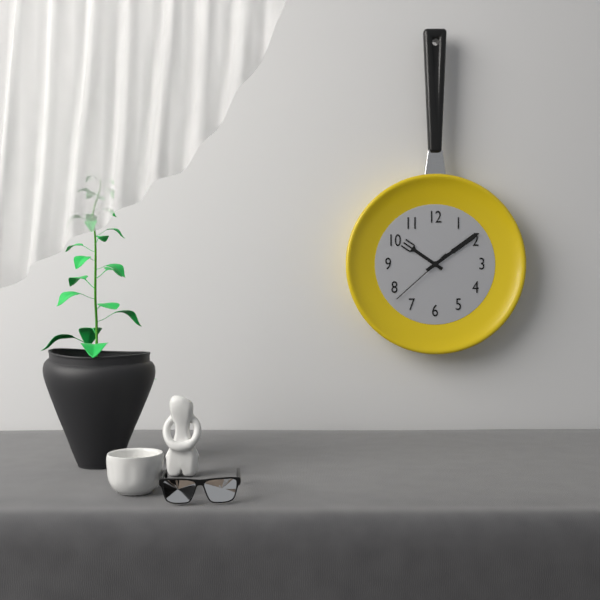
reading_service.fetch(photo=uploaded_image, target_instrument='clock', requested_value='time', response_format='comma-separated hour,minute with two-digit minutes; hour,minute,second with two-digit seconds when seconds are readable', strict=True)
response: 10,09,38
